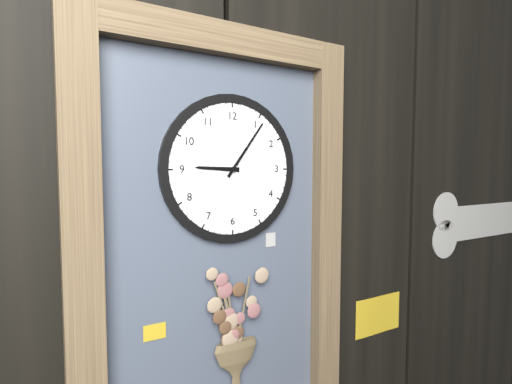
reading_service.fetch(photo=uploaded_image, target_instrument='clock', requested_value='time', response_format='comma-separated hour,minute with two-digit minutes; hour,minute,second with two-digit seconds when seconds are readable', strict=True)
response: 9,06
